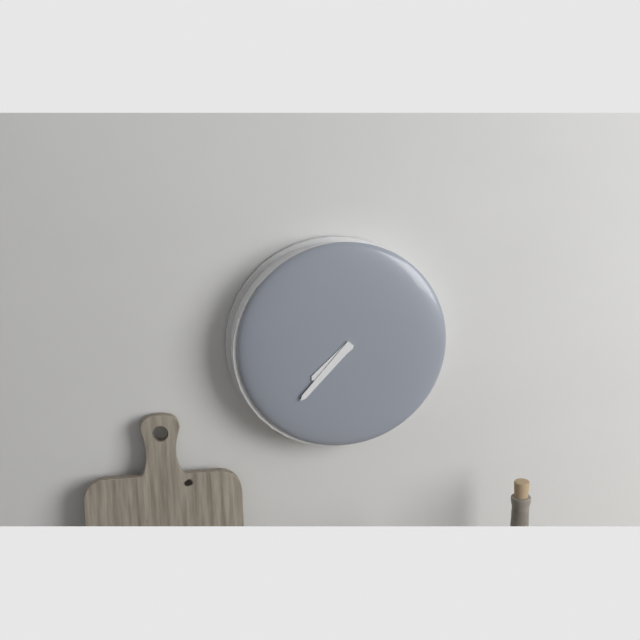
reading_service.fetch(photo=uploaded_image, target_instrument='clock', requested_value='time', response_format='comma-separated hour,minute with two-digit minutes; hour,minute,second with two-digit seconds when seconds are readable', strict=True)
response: 7,37
